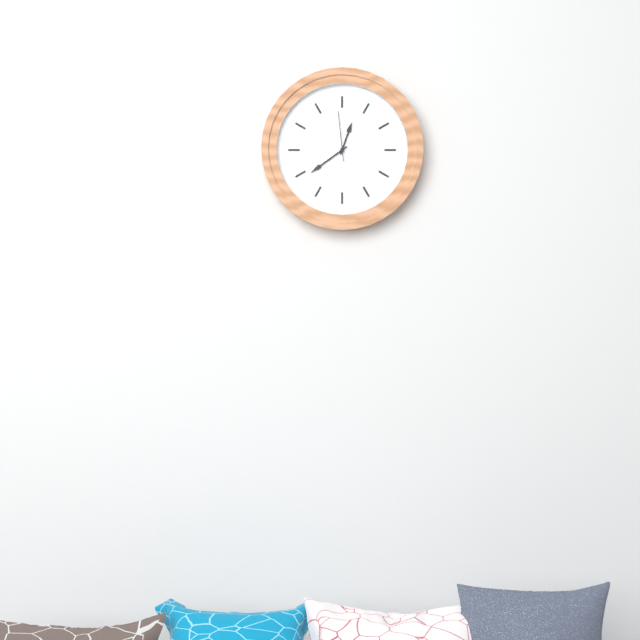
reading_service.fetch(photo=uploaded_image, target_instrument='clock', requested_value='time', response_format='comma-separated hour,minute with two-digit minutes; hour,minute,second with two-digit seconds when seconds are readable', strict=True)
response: 12,39
